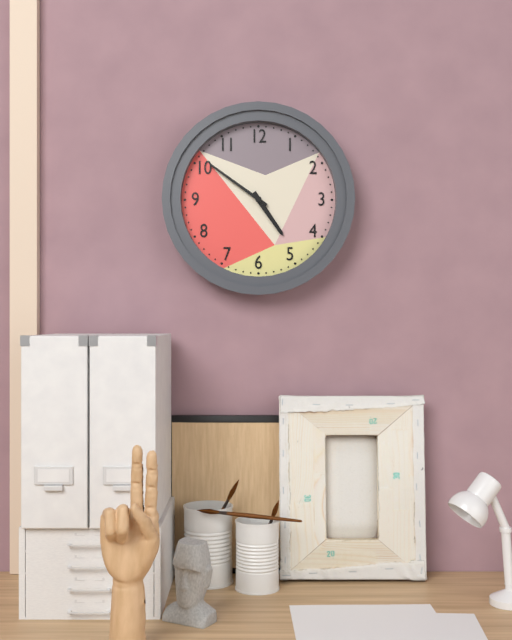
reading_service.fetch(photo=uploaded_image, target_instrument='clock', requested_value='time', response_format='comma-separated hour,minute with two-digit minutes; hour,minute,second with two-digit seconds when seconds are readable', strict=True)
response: 4,51
